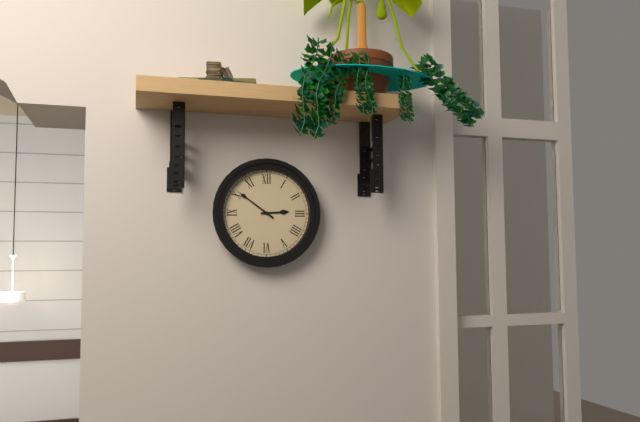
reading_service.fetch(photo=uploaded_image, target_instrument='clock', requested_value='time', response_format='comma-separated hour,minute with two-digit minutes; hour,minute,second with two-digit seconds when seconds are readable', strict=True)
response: 2,51
